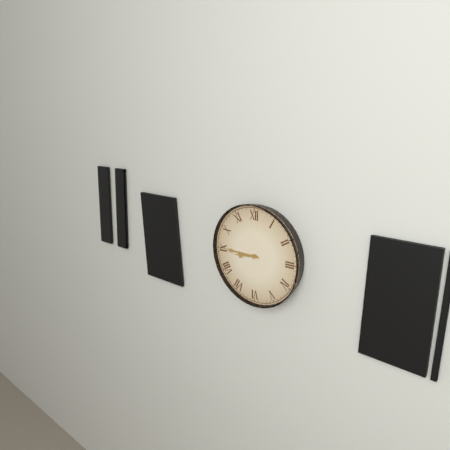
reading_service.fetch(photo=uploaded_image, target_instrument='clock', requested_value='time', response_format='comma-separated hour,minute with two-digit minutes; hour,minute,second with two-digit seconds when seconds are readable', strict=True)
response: 8,45
